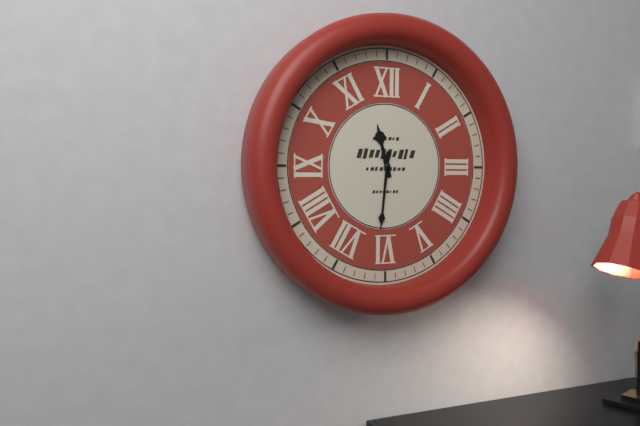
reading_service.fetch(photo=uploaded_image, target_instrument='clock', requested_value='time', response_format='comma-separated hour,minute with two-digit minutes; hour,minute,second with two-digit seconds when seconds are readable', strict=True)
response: 11,31
